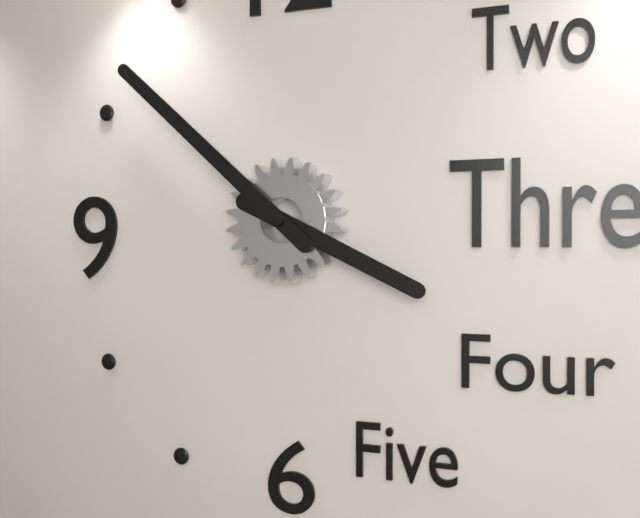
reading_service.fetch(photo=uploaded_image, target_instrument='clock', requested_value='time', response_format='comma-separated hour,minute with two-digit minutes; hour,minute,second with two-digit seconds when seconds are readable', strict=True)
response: 3,52
